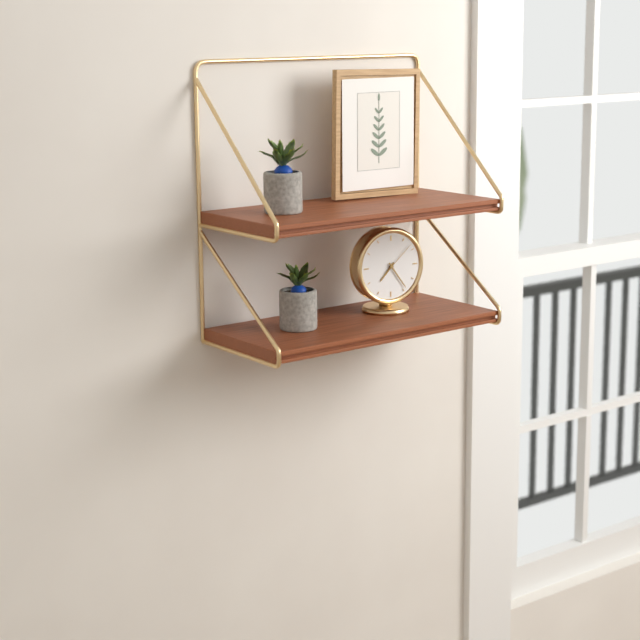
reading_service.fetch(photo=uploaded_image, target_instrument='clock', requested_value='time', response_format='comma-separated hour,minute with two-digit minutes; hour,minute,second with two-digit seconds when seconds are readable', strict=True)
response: 7,24
